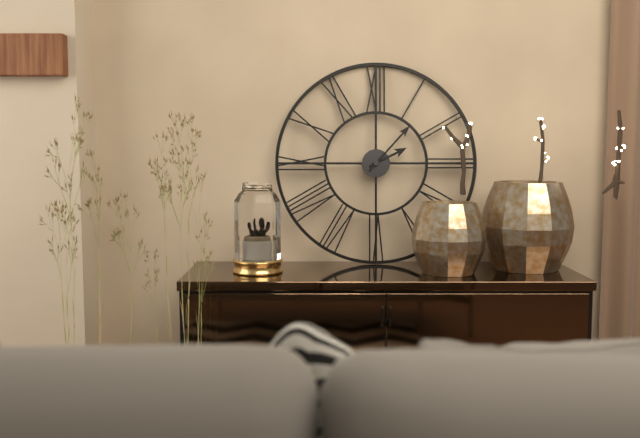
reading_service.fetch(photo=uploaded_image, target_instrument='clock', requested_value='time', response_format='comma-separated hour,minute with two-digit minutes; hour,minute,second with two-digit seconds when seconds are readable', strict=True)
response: 2,07
